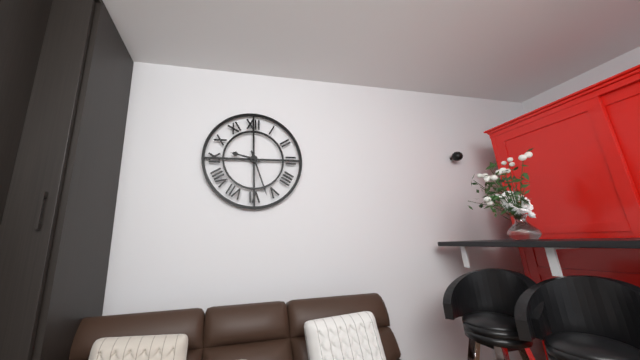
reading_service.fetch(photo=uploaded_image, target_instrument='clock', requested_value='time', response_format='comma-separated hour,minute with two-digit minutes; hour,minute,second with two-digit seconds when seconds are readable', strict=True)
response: 9,27
